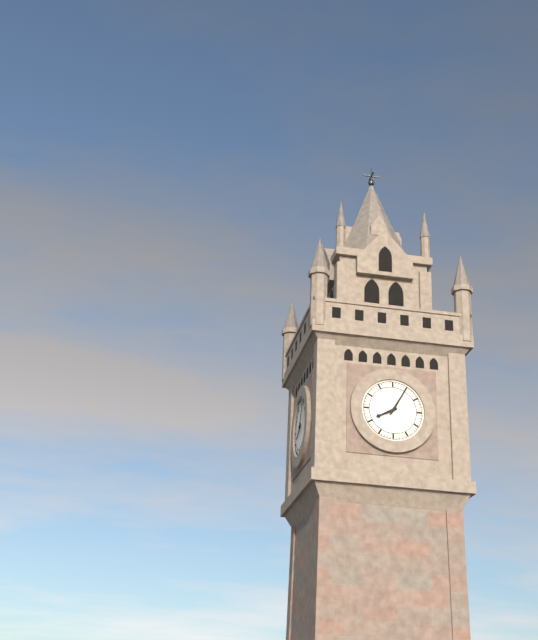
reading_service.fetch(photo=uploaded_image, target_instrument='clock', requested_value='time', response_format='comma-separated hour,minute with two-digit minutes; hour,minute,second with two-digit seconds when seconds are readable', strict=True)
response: 8,05
